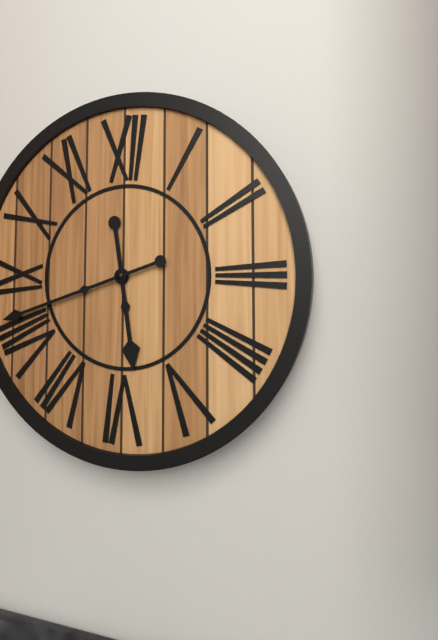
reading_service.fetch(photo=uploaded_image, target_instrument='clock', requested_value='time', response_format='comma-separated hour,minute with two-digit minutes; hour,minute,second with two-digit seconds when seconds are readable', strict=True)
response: 5,42
